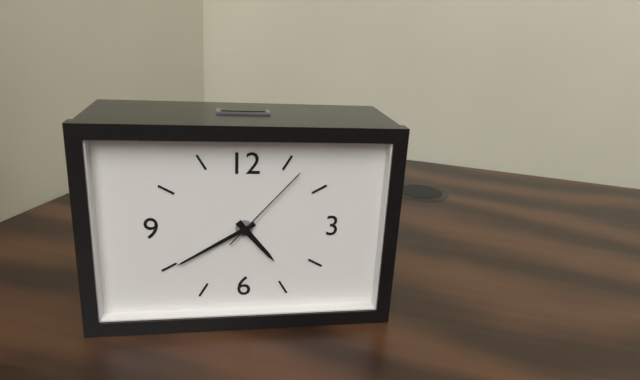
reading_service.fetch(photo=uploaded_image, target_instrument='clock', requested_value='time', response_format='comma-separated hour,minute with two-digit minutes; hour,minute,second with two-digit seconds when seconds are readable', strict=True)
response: 4,40,07
